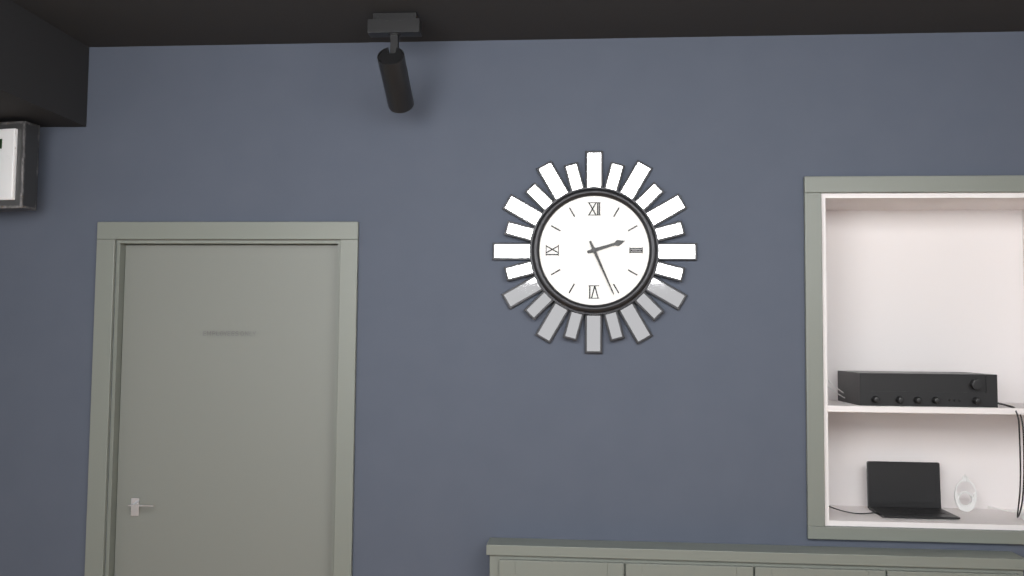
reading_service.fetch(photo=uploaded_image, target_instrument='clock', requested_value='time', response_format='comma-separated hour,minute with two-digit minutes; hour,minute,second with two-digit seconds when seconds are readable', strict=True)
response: 2,26
